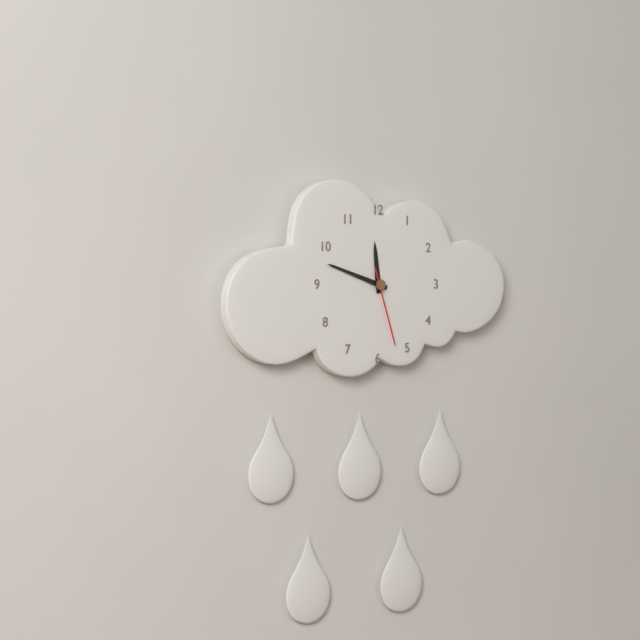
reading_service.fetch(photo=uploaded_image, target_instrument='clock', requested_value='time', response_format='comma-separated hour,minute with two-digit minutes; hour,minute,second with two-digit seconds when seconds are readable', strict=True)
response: 11,48,27
